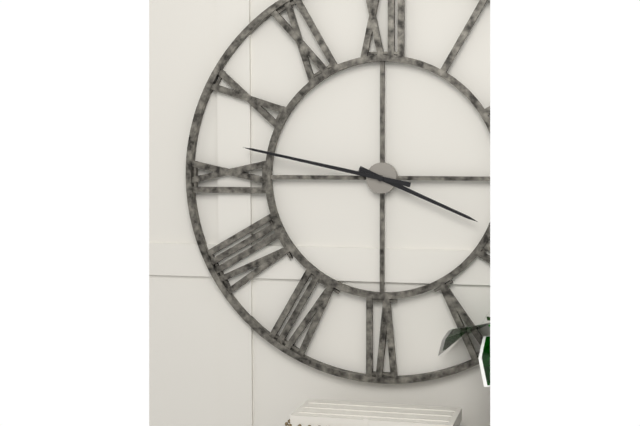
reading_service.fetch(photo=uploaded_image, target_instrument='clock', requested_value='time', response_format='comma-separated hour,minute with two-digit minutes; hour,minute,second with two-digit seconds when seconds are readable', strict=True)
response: 3,47
